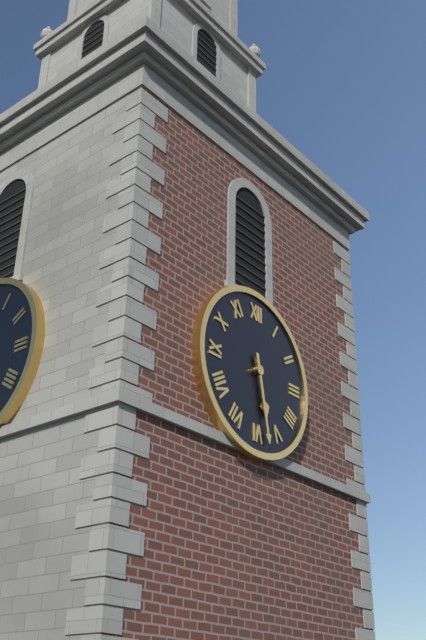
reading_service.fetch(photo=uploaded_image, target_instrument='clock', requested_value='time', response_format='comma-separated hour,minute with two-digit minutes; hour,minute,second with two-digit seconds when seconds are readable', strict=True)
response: 5,28
